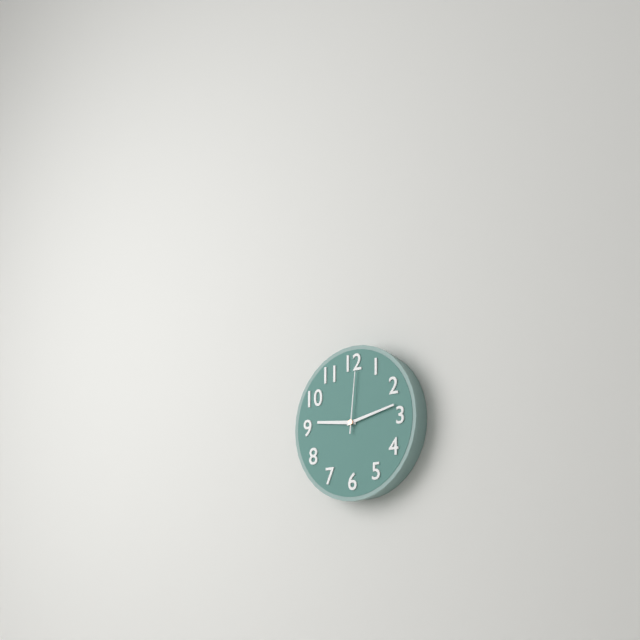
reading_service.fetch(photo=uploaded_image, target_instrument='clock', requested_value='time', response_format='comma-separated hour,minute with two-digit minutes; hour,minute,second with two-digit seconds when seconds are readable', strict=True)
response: 9,13,01
